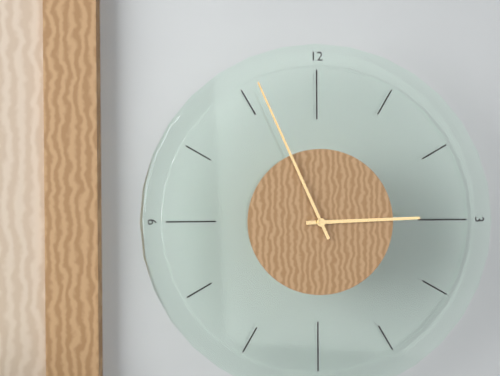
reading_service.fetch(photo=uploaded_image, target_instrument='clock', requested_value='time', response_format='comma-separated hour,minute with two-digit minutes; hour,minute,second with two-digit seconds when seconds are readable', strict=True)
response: 2,56
